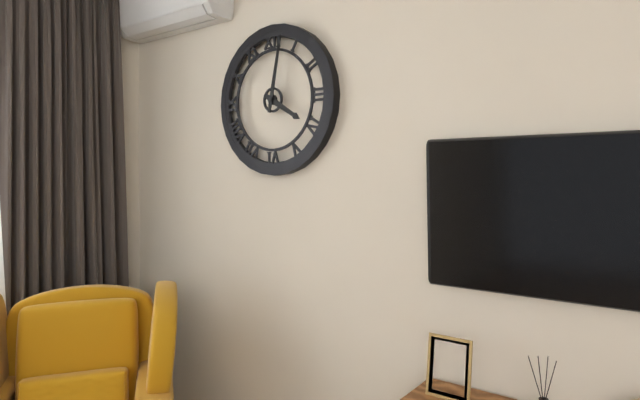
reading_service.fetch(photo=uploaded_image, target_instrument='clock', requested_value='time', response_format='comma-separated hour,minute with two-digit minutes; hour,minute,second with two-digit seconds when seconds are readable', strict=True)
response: 4,02
